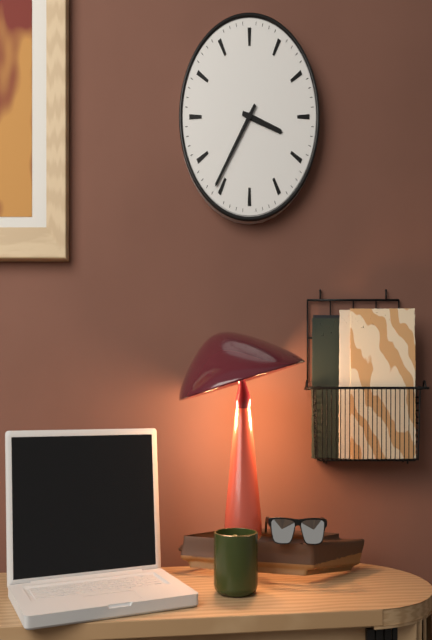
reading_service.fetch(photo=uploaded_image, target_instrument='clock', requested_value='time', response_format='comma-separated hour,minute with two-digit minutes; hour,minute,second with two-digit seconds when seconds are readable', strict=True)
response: 3,36
